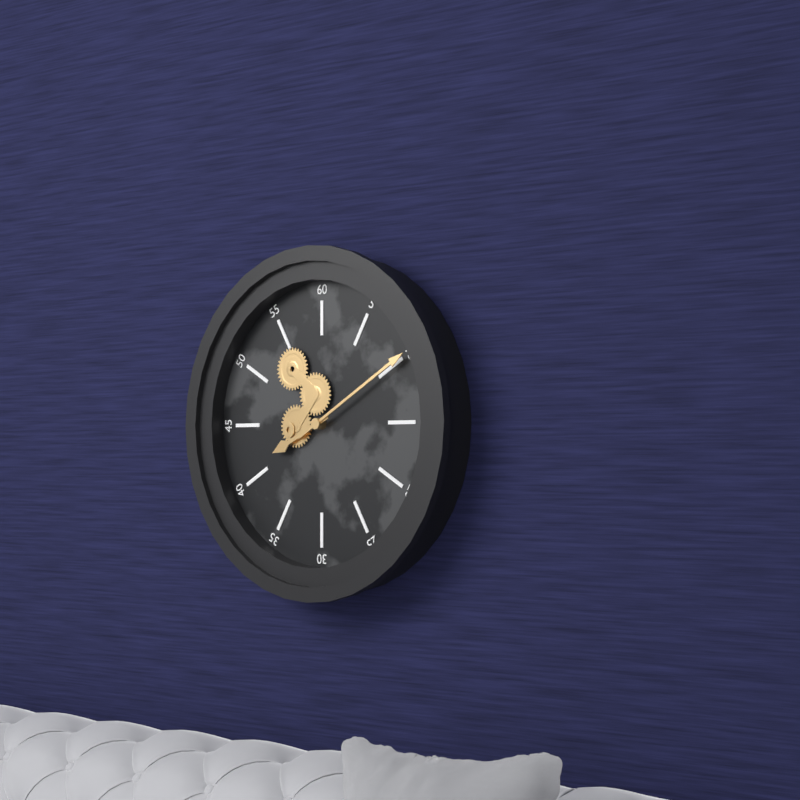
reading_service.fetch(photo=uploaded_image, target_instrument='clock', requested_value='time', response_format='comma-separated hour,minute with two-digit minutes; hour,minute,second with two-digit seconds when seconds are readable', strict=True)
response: 8,10
